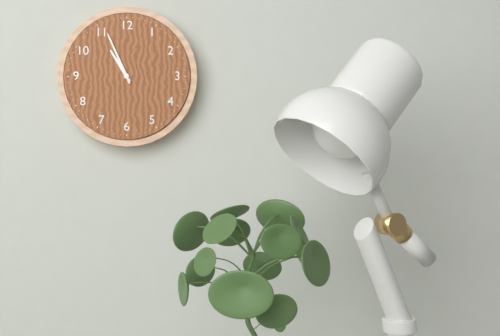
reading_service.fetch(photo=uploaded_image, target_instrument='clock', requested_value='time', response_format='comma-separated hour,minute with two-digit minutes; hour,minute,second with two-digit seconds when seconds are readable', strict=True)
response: 10,56
